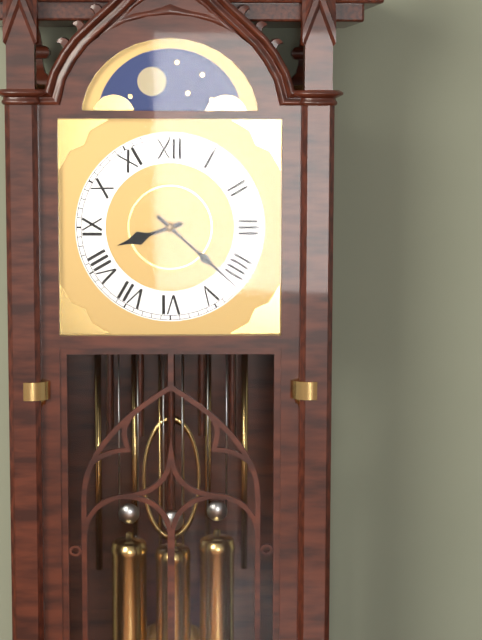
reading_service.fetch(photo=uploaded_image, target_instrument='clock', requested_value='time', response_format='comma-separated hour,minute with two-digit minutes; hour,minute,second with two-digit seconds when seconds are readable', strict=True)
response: 8,22
